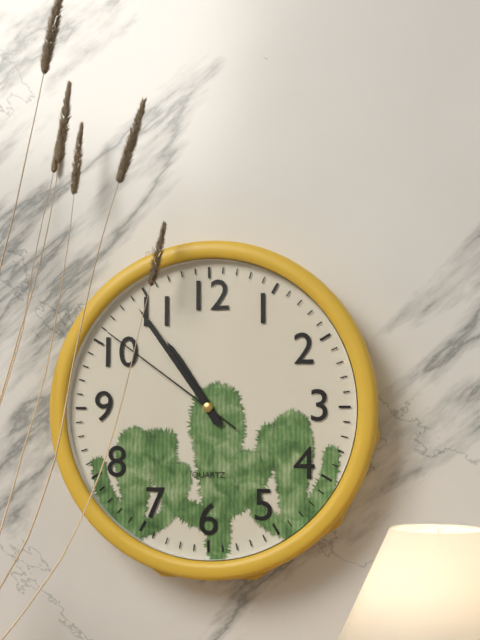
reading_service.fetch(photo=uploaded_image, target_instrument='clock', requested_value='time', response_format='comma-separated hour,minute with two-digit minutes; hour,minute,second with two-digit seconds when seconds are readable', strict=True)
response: 10,54,51
